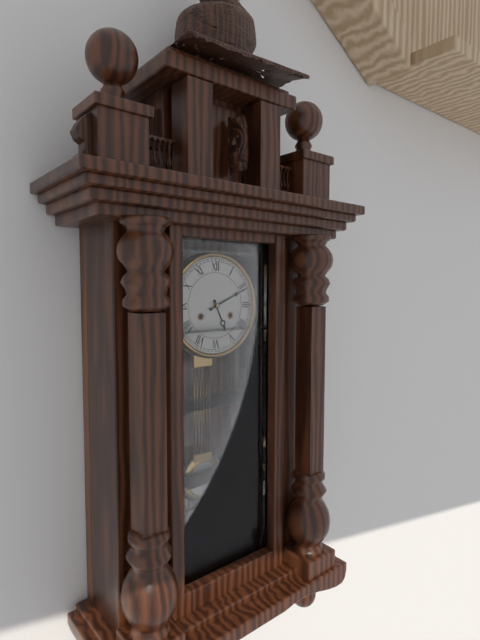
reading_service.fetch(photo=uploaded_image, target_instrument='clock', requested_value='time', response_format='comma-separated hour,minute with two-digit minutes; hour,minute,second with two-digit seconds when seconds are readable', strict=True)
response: 5,11
